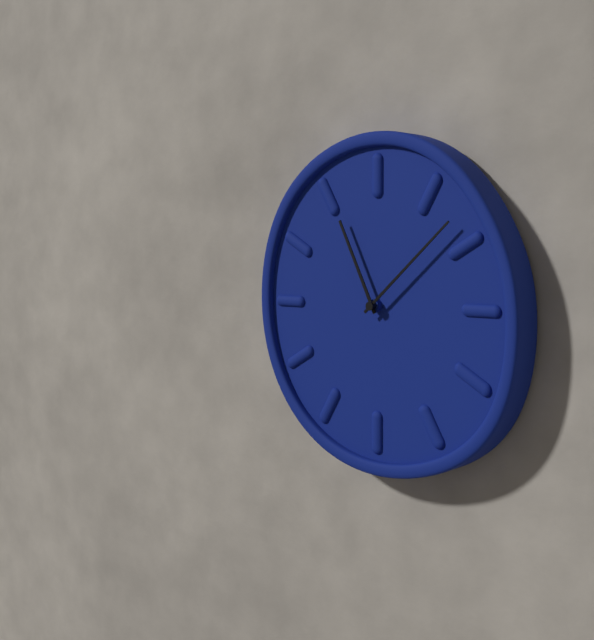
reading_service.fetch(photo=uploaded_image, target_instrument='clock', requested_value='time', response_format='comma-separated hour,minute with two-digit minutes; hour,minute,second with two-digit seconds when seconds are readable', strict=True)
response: 11,08
